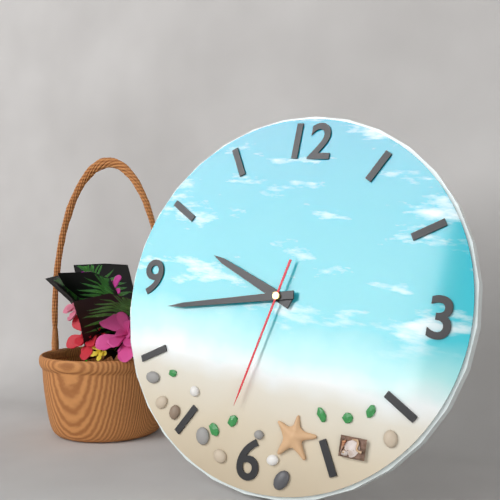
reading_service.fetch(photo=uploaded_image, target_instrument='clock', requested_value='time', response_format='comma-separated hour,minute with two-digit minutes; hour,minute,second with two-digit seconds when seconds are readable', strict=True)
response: 9,43,32
